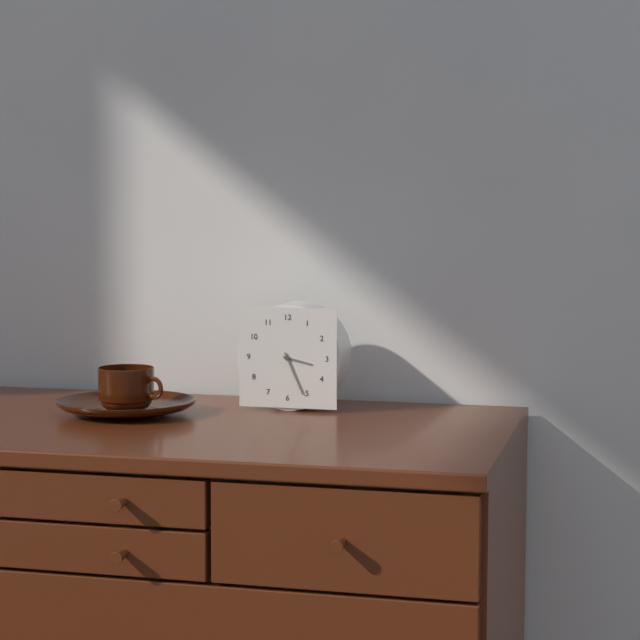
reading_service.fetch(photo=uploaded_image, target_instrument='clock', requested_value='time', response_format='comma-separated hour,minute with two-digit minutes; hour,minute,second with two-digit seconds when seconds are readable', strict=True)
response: 3,26
